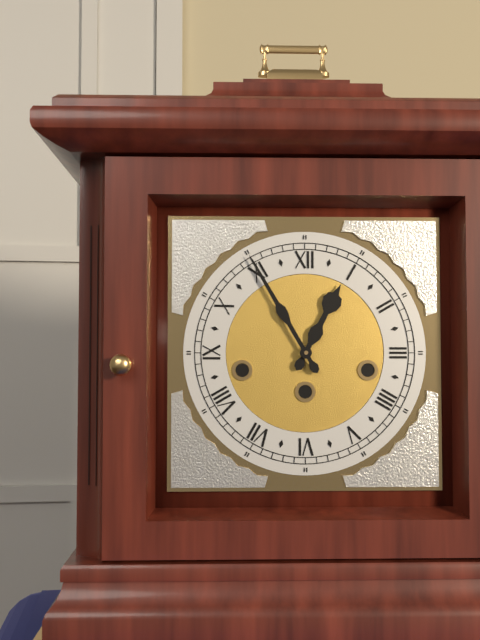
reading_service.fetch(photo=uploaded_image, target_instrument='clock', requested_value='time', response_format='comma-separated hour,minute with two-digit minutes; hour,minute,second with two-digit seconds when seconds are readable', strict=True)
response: 12,55
